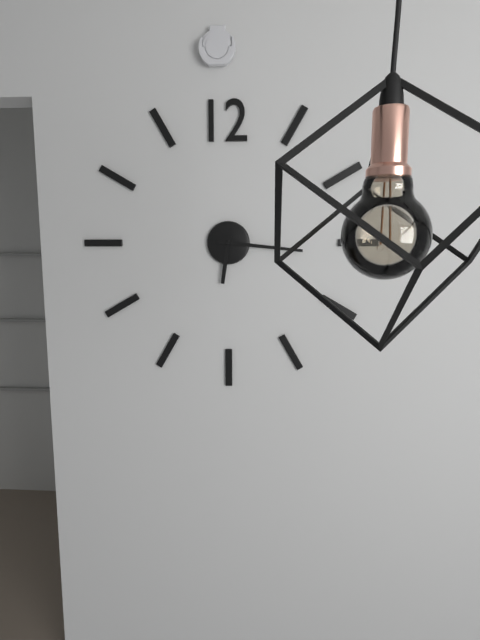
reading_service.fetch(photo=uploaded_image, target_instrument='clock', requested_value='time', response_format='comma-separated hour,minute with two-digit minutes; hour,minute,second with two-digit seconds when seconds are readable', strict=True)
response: 6,16
